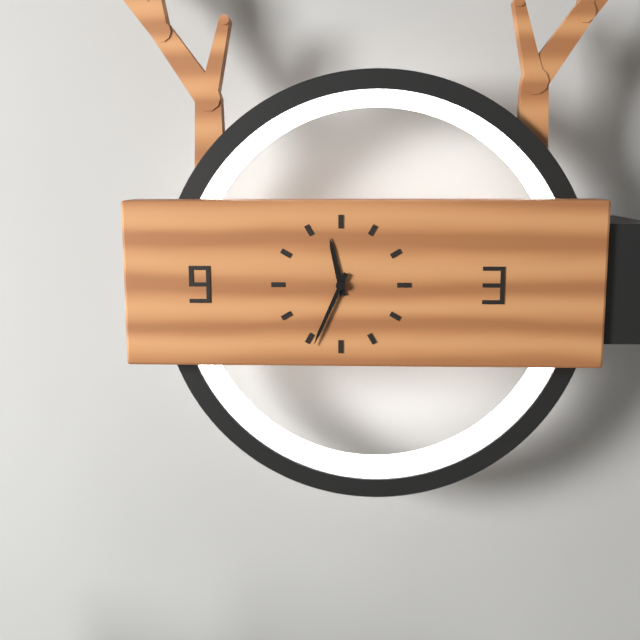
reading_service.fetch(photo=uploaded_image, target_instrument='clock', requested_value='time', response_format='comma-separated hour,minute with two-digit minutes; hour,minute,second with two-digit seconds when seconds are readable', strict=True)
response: 11,34
